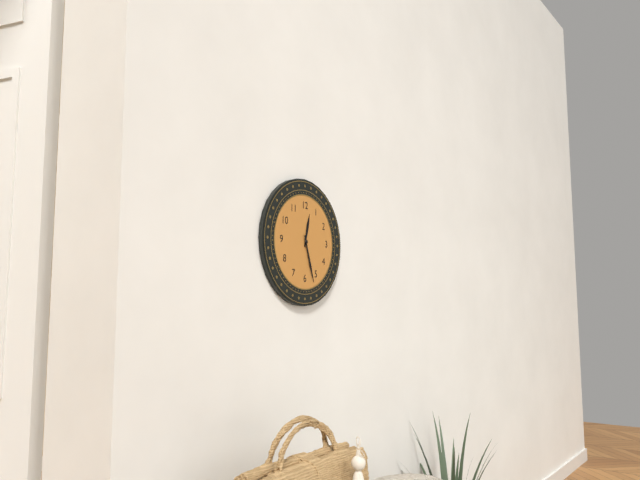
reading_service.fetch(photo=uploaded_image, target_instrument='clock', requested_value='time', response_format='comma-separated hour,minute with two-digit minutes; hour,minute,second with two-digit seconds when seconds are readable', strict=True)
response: 12,27
